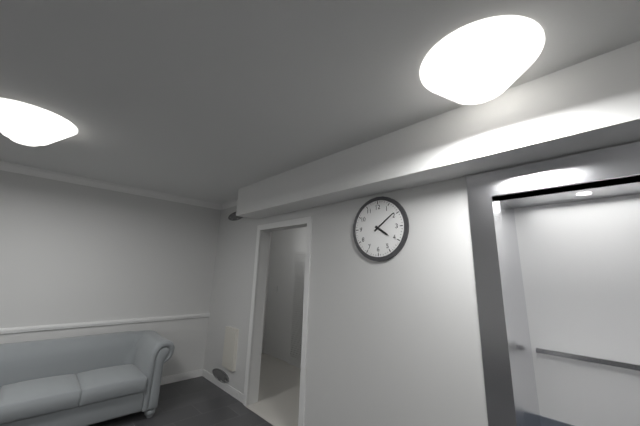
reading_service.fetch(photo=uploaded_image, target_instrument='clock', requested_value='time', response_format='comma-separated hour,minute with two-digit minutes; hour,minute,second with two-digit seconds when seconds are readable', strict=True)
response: 4,09
